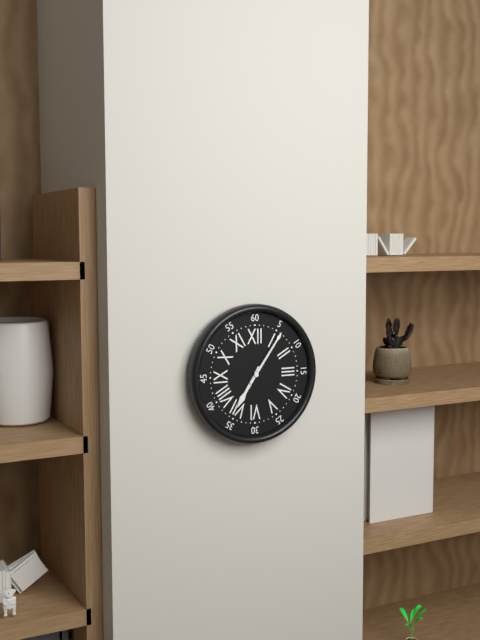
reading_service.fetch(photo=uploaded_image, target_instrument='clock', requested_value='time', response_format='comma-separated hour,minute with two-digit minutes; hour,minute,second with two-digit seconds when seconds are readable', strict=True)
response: 7,06
